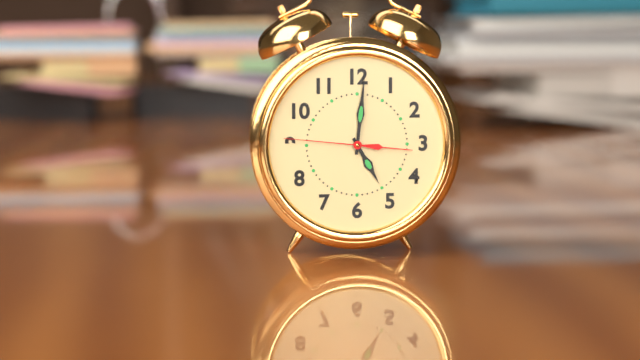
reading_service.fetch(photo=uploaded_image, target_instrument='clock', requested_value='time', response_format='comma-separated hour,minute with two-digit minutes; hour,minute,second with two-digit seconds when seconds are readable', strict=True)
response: 5,01,46
